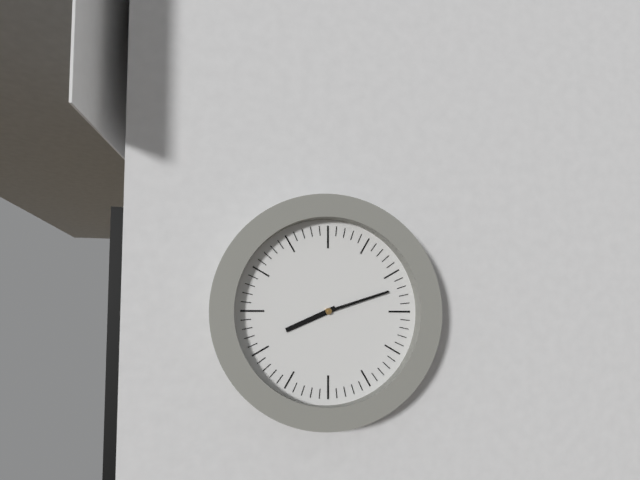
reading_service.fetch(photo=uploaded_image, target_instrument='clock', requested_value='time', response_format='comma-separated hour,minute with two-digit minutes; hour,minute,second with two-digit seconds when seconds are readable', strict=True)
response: 8,12
